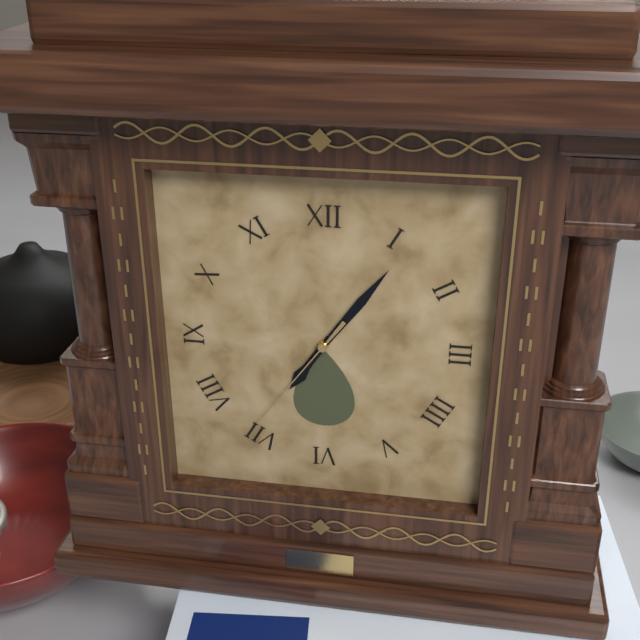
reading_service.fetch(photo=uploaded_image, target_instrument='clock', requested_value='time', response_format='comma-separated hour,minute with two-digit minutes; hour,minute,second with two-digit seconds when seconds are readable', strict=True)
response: 7,06,36
